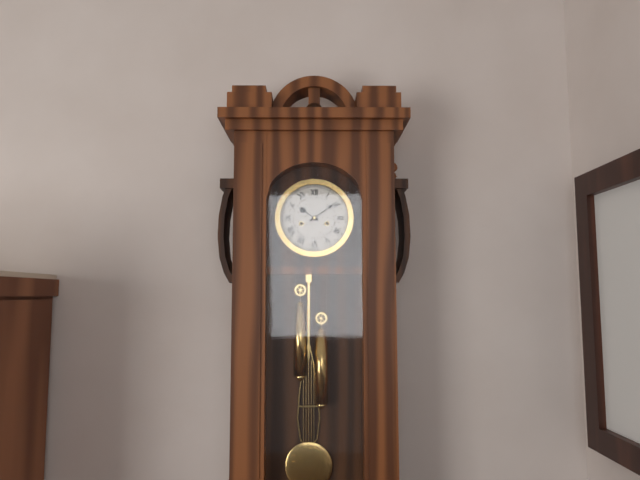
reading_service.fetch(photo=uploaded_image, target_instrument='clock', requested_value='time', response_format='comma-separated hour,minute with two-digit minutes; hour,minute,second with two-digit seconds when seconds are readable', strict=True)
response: 10,09
